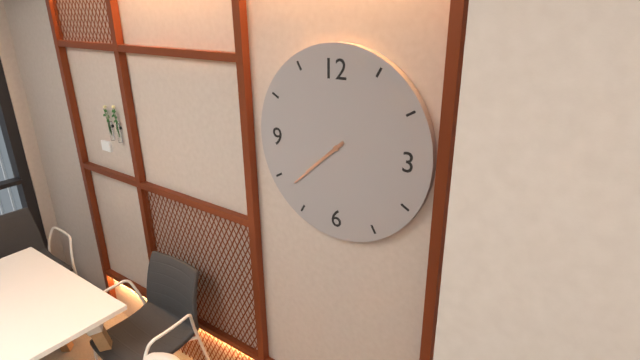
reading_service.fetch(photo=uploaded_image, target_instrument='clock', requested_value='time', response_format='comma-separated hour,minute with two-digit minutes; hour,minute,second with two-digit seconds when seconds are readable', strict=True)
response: 7,38
